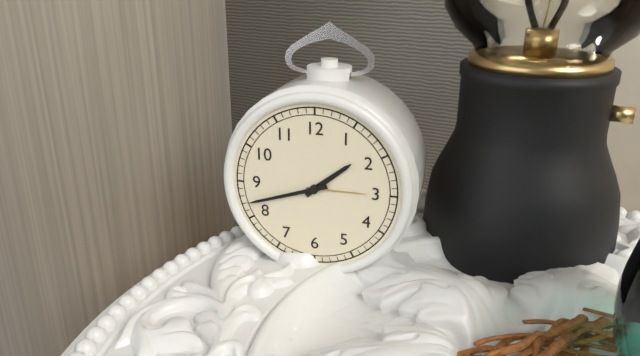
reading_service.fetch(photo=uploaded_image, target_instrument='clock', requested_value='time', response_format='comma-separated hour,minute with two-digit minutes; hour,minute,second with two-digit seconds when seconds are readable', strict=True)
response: 1,42
